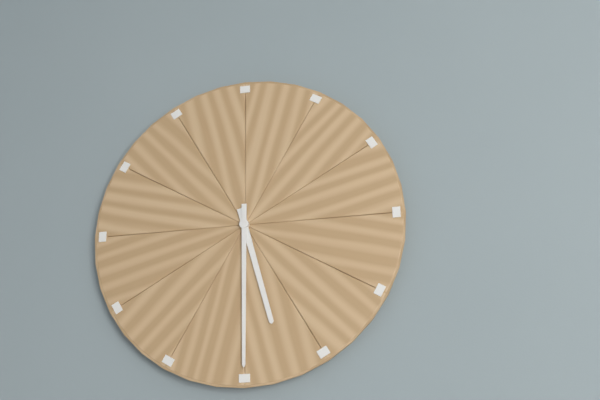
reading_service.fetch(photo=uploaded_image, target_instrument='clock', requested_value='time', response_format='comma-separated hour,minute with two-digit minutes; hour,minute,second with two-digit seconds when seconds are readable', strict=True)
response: 5,30
